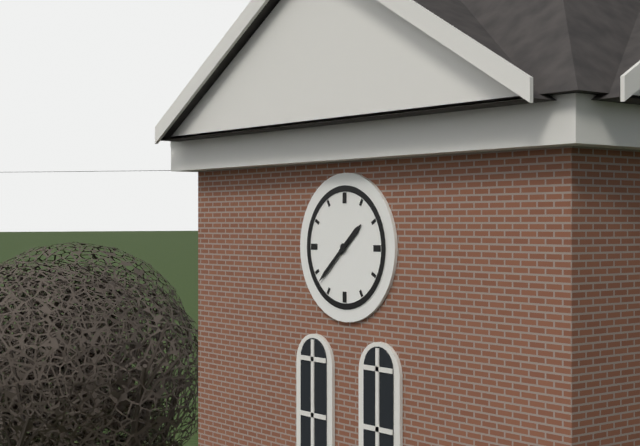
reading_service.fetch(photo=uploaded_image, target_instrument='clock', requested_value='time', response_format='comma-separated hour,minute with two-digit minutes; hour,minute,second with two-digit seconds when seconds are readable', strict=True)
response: 1,38
